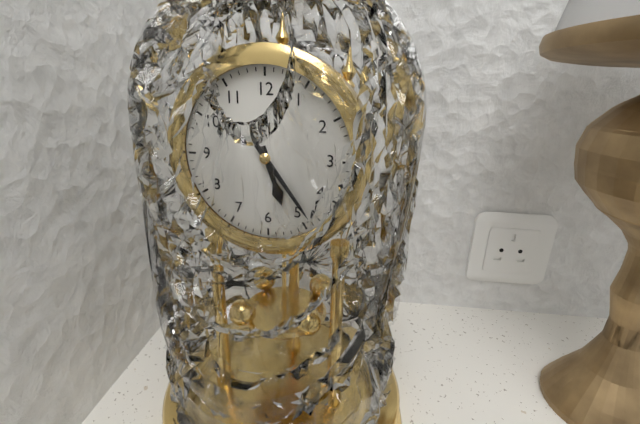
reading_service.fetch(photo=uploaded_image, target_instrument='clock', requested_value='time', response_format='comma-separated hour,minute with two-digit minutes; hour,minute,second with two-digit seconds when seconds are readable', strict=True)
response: 5,24
